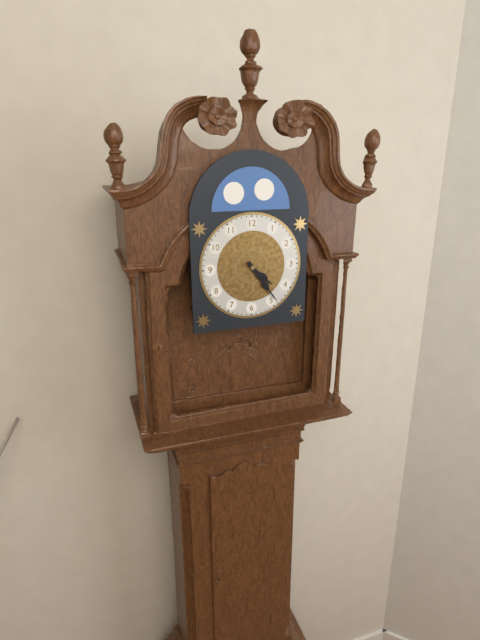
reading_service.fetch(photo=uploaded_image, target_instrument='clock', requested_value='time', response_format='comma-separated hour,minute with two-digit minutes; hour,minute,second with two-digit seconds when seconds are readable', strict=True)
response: 4,24
